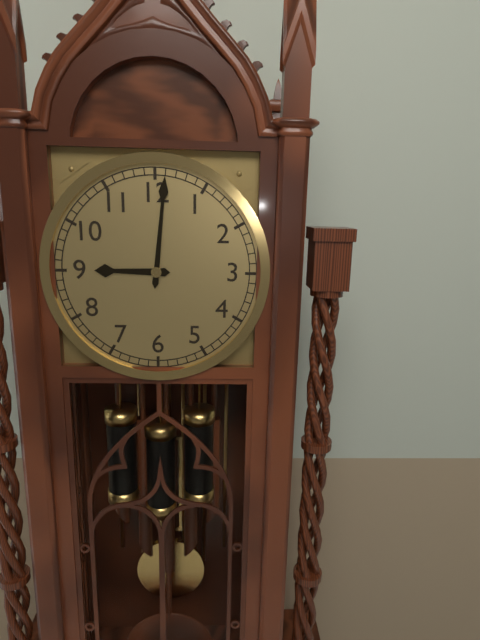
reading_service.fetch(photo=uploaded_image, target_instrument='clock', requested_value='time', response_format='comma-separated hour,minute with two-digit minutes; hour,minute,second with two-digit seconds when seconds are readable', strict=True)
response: 9,01
